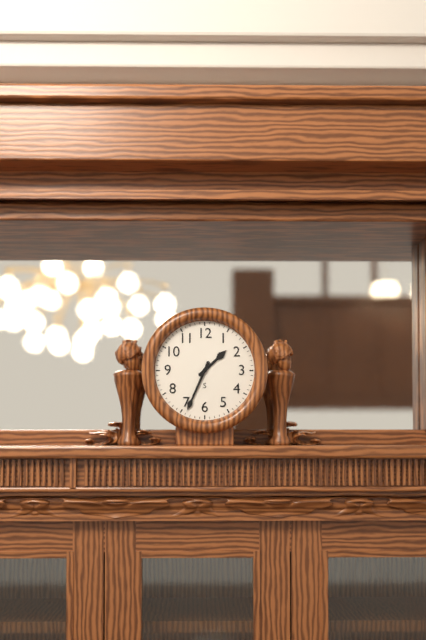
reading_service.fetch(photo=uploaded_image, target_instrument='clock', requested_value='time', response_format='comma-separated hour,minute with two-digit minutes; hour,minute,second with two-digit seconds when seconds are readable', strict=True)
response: 1,34
